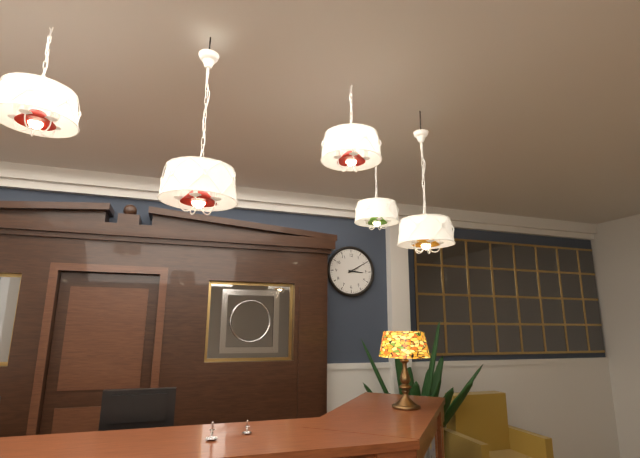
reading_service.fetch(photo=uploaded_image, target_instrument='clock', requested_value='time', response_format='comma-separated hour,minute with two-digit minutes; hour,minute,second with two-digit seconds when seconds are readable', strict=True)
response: 3,10
